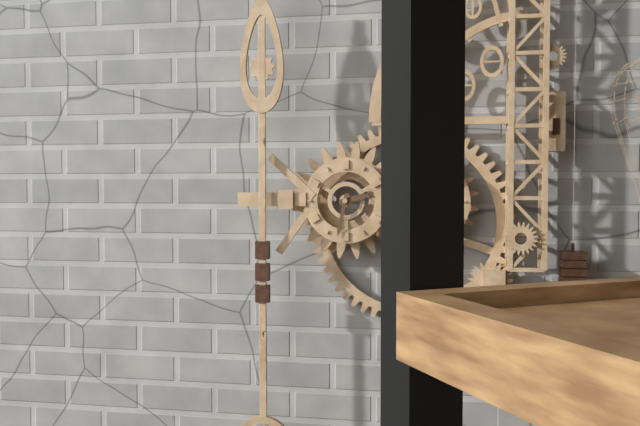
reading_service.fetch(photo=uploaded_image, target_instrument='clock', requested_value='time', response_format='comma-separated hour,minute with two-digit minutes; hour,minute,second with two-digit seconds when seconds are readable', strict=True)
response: 2,32
